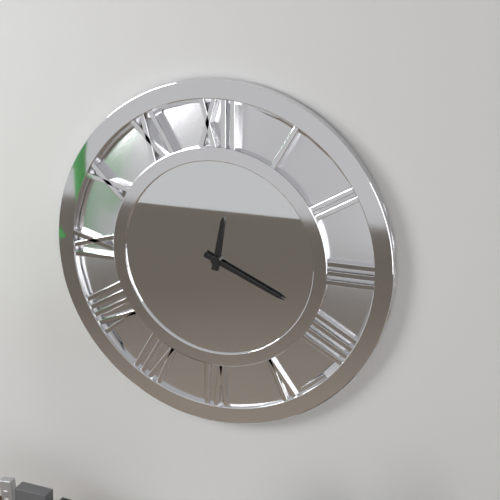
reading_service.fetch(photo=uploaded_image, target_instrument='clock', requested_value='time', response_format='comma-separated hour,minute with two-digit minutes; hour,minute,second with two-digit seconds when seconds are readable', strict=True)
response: 12,19
